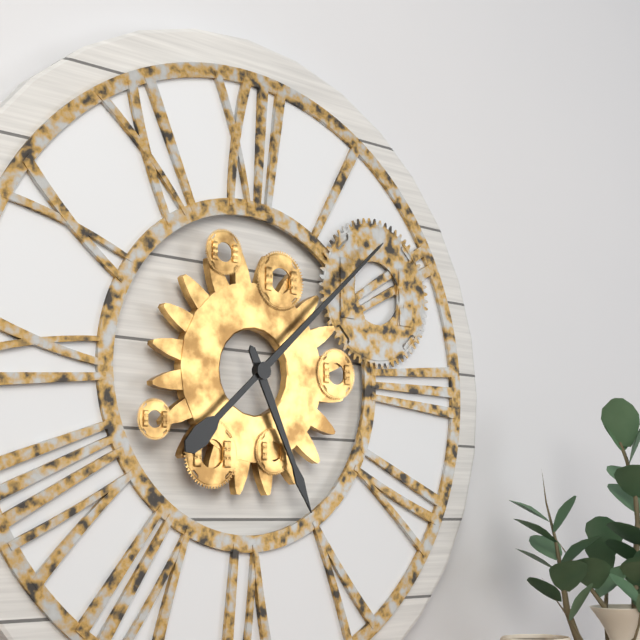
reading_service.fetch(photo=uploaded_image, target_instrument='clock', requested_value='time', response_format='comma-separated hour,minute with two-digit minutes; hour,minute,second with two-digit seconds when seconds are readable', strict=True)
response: 5,08
